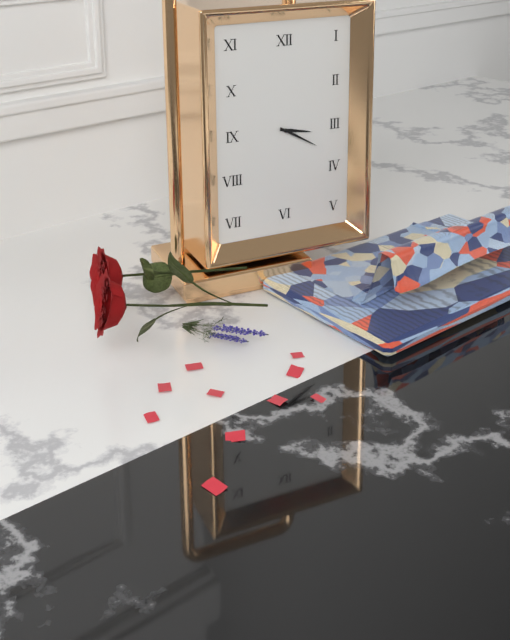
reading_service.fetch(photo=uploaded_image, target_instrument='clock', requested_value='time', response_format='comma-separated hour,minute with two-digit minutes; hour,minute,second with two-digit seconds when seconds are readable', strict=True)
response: 3,20
